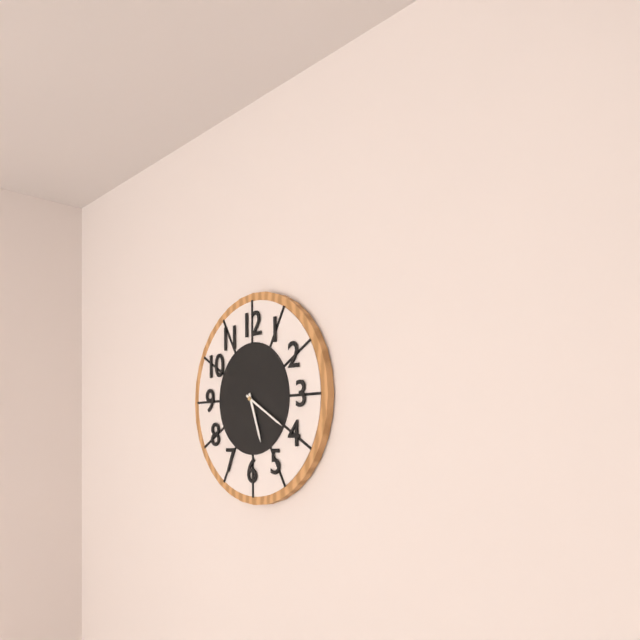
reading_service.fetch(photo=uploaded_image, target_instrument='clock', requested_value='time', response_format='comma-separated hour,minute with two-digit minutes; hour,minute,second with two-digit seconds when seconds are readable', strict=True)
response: 5,20
